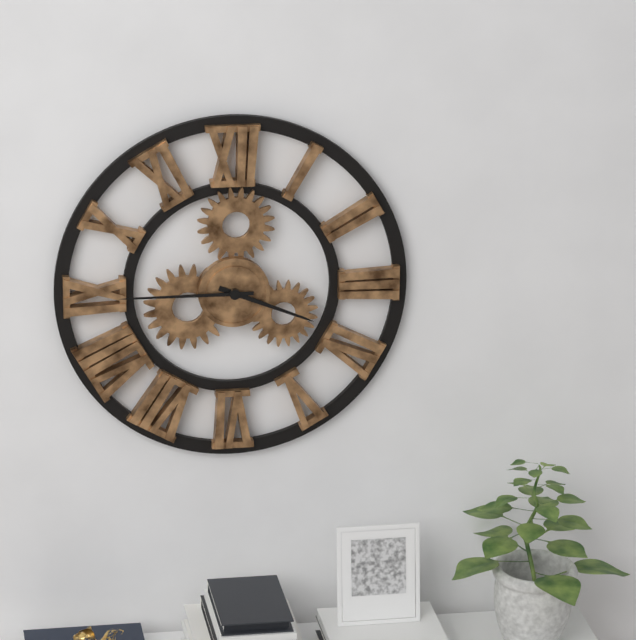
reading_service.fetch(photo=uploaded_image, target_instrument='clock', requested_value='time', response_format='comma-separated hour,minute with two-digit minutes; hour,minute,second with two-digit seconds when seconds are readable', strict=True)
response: 3,45
